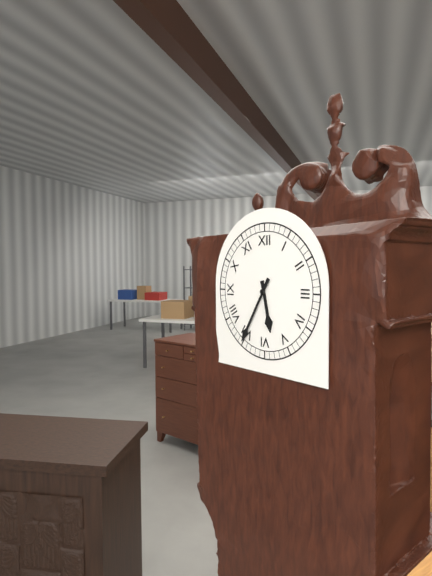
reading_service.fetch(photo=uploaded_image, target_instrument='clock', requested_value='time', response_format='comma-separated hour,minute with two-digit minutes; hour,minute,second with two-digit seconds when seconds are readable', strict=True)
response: 5,35
